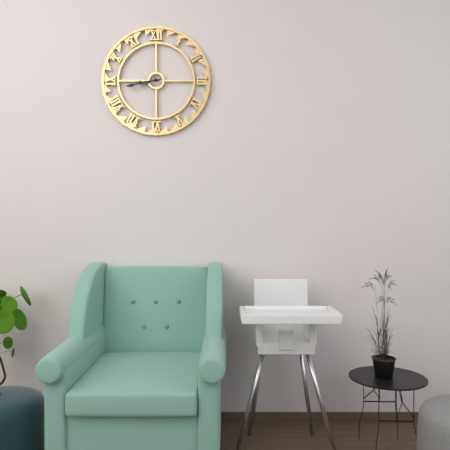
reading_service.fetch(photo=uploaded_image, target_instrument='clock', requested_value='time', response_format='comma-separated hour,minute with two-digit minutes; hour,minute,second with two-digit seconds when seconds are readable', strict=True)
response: 8,43
